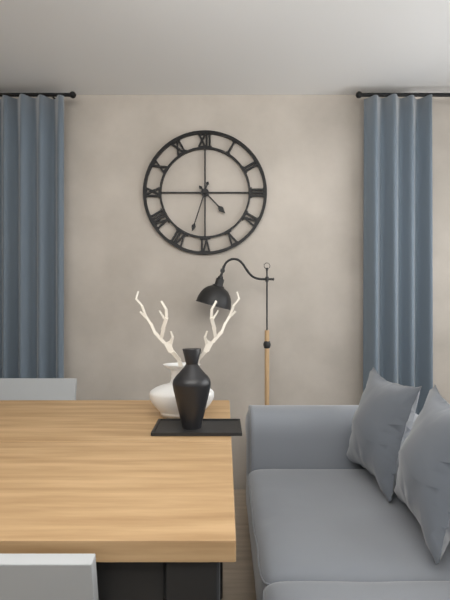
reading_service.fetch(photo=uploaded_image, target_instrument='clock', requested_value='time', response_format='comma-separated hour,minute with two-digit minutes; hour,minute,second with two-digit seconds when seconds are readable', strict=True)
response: 4,33
